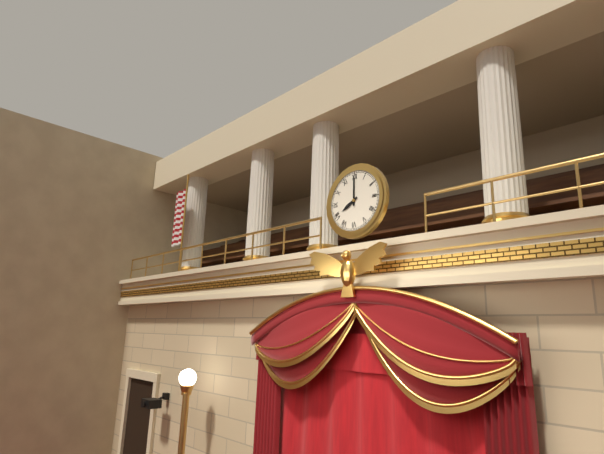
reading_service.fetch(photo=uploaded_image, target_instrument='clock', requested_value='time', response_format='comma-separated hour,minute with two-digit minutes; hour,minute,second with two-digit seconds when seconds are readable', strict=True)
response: 8,00
